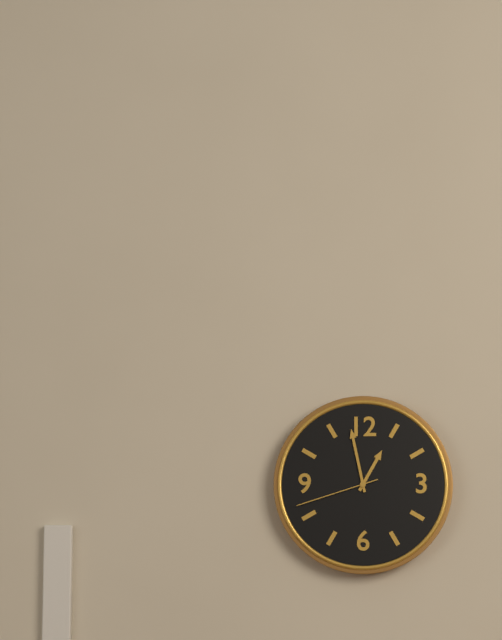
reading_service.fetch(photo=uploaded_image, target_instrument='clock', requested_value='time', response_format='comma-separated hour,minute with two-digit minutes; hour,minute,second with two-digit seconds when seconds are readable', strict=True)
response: 12,58,42
